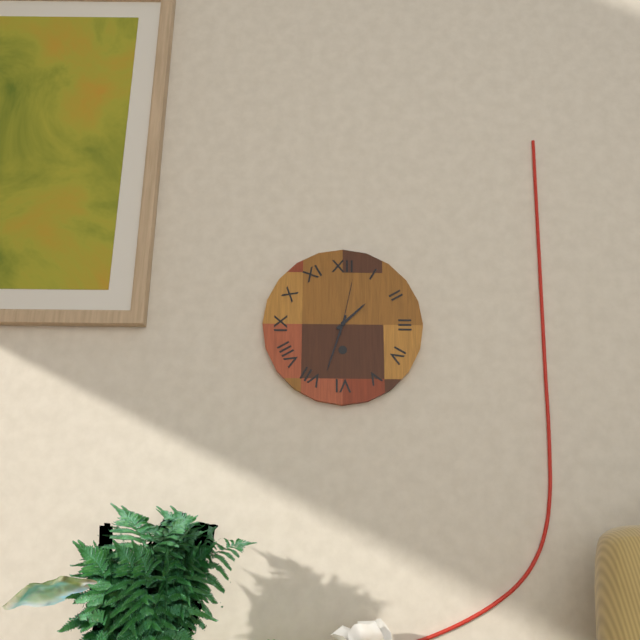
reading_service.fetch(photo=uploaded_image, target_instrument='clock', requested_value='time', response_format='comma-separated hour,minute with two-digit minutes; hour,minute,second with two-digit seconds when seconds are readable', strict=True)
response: 1,33,02
